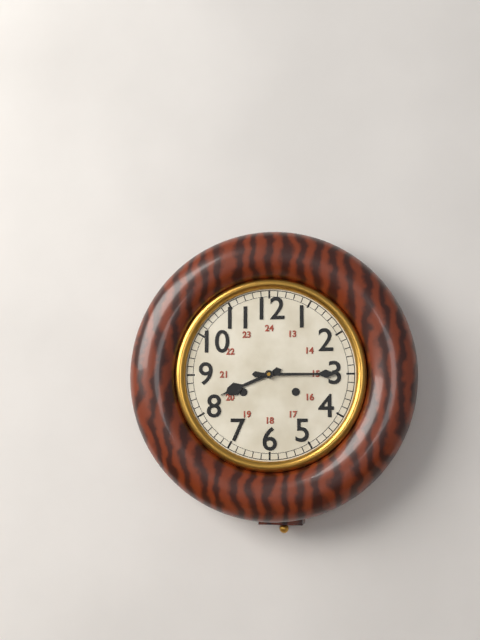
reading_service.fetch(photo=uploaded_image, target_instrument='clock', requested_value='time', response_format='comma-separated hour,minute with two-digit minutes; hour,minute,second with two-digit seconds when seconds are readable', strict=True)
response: 8,15
